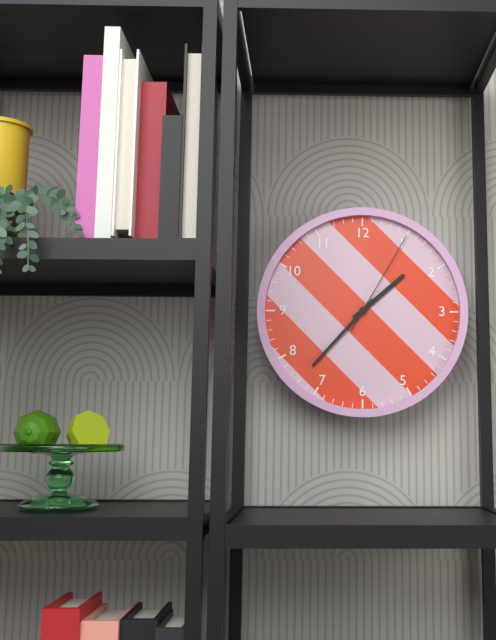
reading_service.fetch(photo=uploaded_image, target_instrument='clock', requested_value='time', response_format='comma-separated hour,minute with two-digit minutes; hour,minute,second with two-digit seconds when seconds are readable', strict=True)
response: 1,37,05
